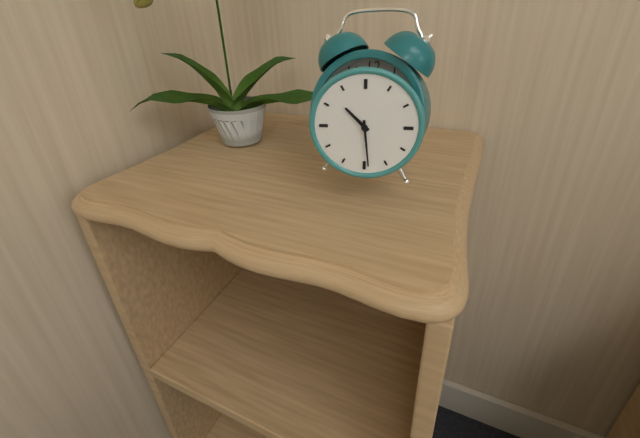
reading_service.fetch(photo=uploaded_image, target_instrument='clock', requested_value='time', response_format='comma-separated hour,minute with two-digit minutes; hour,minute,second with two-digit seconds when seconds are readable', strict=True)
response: 10,29
